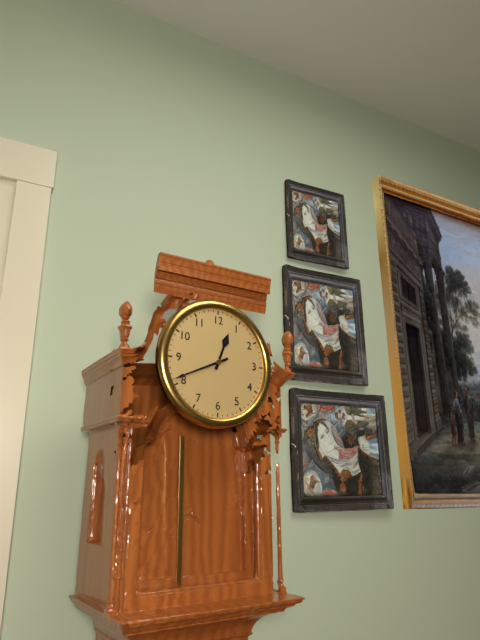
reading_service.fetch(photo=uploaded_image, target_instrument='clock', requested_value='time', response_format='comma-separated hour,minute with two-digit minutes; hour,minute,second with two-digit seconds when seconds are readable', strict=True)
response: 12,41
